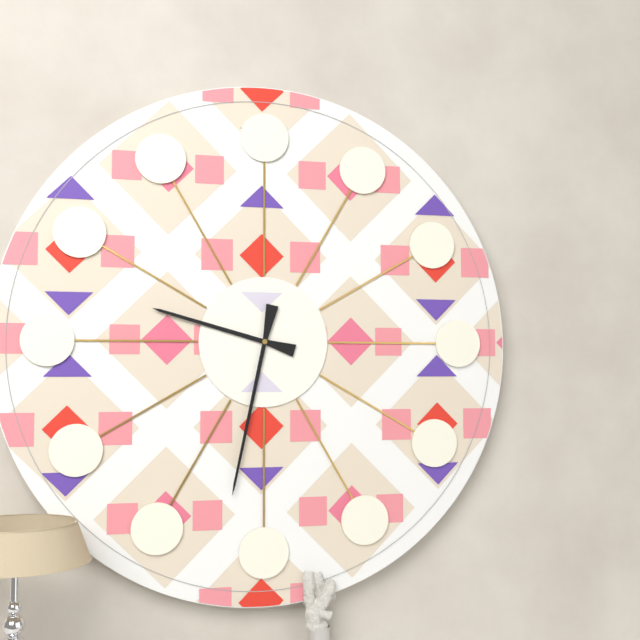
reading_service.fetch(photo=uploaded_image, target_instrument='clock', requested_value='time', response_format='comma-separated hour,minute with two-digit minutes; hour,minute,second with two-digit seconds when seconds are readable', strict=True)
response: 9,32
